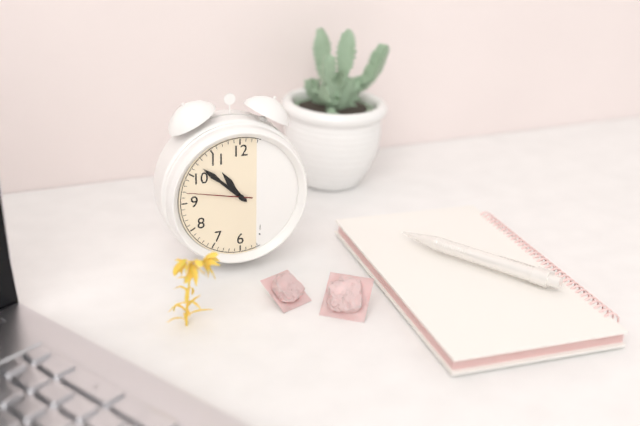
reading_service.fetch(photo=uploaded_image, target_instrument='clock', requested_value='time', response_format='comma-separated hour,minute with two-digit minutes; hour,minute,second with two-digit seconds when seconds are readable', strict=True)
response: 10,52,47
